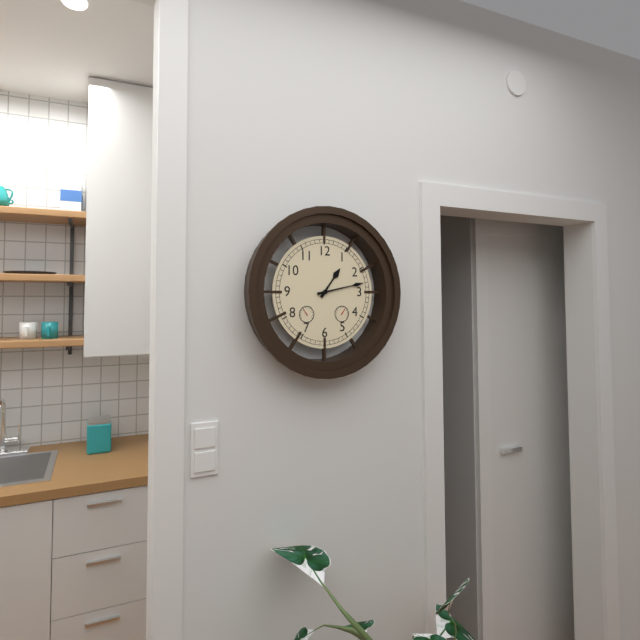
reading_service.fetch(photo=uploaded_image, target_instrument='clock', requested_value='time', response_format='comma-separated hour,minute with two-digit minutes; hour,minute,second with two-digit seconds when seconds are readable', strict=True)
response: 1,13
